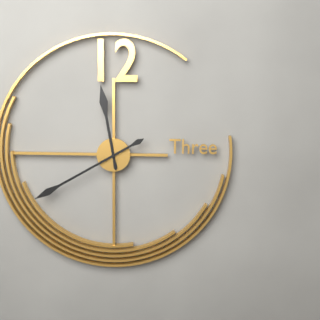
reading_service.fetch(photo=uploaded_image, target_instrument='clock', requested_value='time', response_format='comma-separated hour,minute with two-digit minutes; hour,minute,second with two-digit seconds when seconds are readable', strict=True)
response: 11,40
